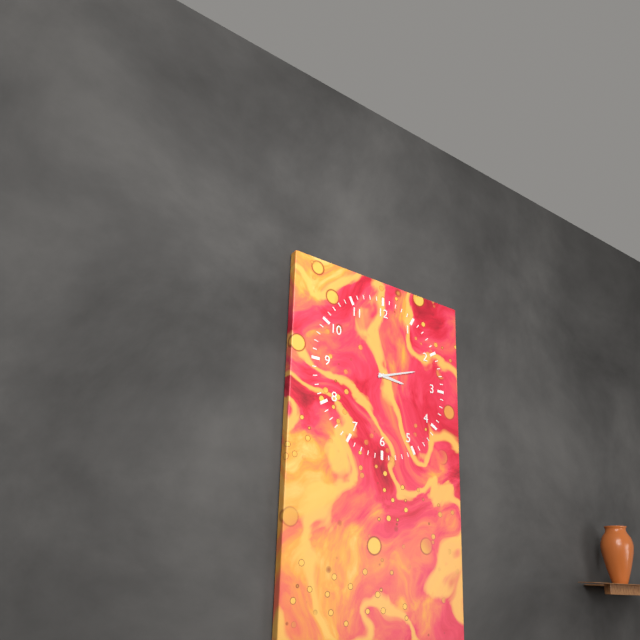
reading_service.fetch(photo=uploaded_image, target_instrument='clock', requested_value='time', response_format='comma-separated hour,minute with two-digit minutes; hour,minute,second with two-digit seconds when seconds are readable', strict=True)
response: 3,12
